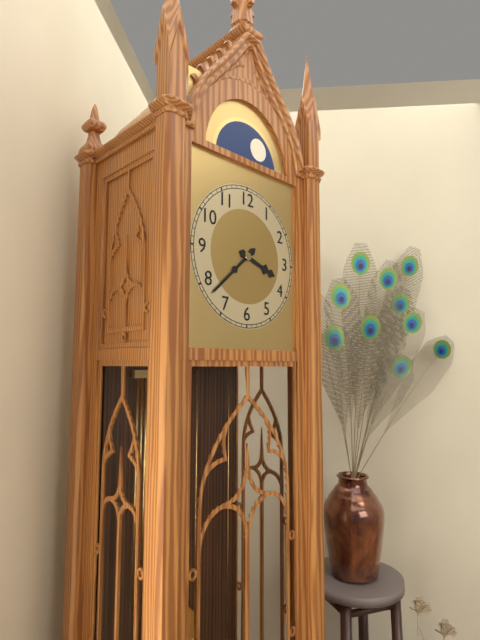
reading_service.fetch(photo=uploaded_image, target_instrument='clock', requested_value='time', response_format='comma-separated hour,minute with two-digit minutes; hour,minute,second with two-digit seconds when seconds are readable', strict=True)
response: 3,38
